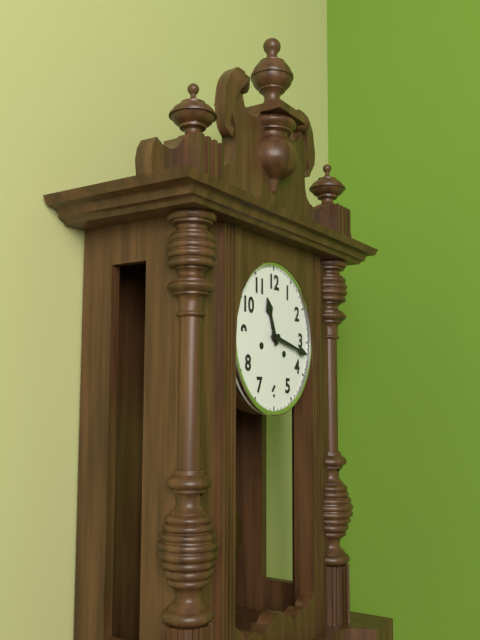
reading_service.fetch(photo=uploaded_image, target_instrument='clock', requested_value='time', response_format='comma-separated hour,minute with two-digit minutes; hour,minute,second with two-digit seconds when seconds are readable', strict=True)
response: 11,17
